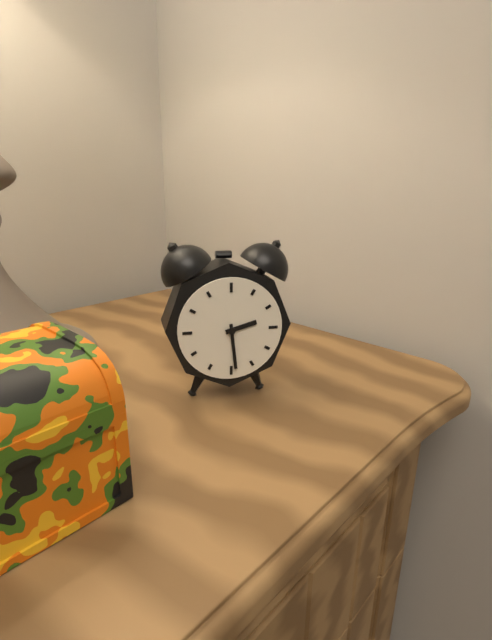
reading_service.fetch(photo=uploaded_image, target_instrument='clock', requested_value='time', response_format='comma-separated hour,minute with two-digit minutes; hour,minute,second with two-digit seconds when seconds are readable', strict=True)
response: 2,29
